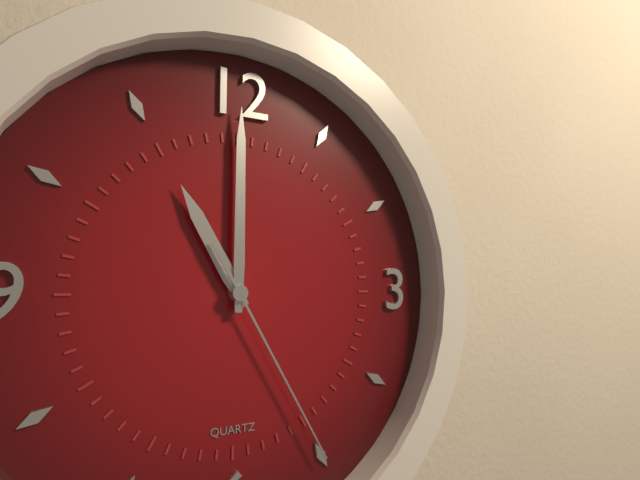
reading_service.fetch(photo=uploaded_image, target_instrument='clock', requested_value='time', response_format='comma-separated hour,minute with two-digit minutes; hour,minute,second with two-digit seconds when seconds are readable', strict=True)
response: 11,00,25
